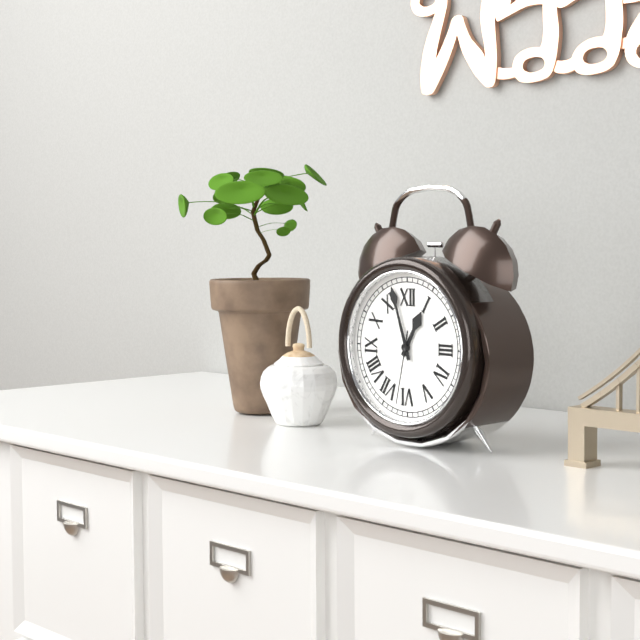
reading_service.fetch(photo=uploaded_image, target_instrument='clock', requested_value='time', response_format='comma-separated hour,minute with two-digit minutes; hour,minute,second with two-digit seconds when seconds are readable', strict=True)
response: 12,57,32
